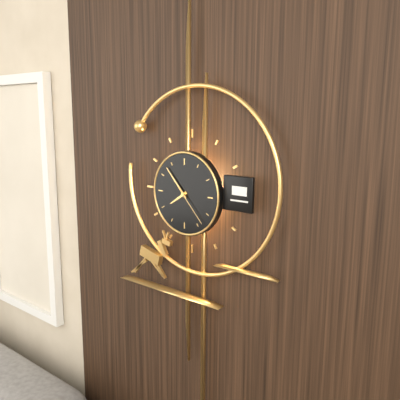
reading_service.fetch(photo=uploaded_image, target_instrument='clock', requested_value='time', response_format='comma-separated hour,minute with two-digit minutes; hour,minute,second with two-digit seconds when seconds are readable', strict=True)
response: 7,53
